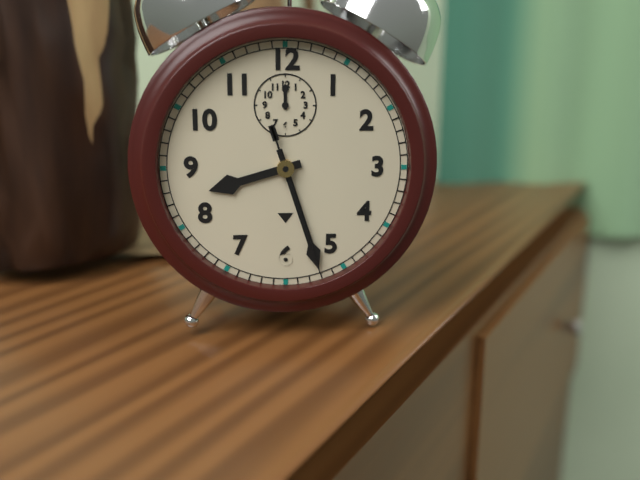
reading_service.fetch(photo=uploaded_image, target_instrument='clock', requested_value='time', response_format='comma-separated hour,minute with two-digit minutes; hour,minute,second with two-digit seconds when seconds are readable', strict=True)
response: 8,27,27
